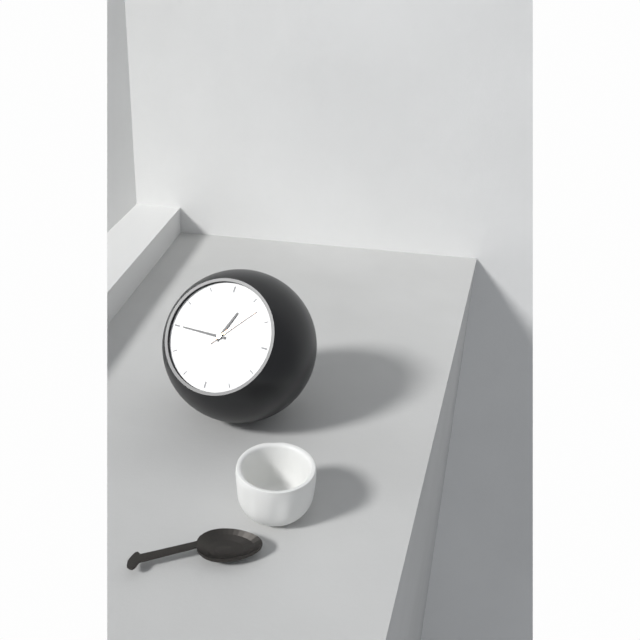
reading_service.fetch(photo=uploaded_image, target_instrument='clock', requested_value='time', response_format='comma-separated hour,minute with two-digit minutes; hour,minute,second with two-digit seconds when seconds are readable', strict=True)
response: 12,45
